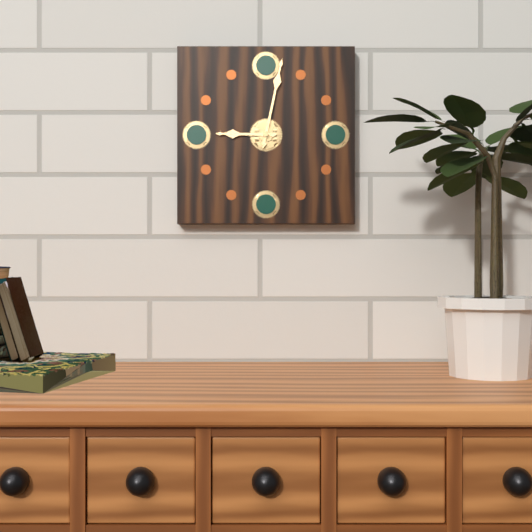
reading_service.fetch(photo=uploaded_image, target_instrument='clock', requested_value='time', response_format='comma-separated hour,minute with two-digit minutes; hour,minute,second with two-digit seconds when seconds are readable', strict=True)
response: 9,02
